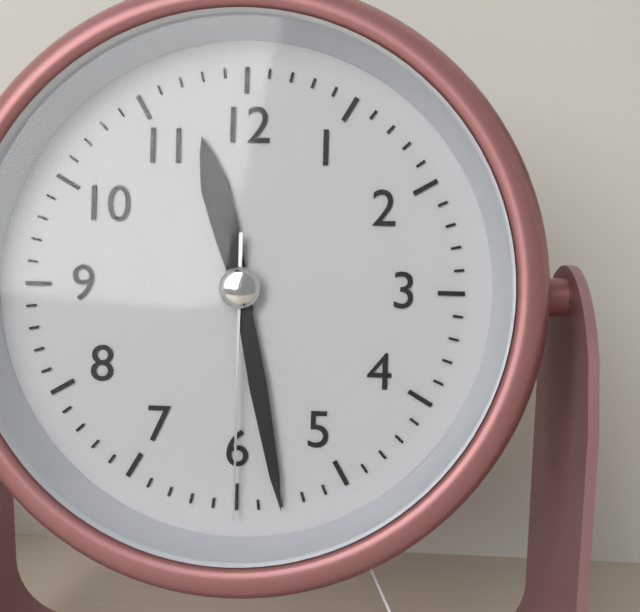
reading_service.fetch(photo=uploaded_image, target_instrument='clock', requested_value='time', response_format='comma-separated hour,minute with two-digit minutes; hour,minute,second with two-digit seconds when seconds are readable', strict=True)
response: 11,28,30
